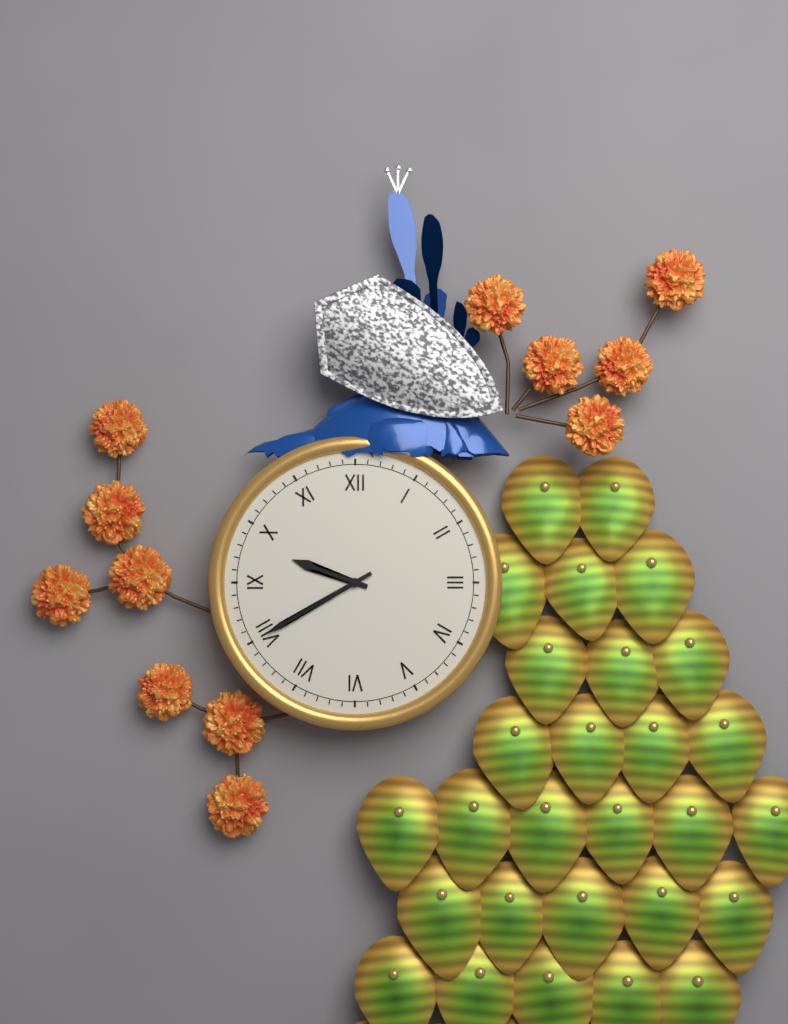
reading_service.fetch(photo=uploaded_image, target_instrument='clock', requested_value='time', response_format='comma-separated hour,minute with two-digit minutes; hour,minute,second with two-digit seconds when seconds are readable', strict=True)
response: 9,40
